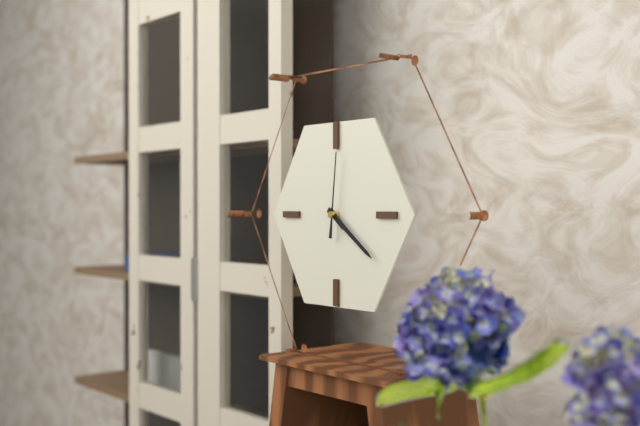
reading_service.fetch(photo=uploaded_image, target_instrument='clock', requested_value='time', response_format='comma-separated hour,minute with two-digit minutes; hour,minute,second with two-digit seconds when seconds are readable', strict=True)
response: 4,21,01
